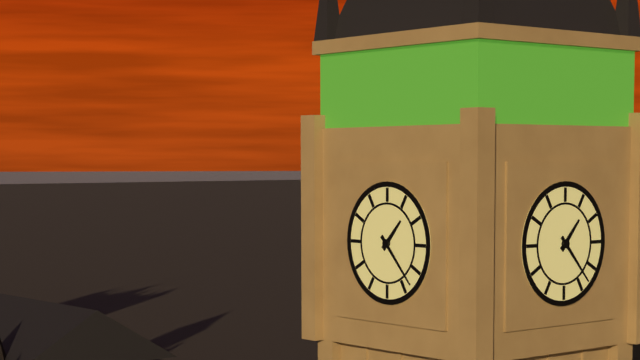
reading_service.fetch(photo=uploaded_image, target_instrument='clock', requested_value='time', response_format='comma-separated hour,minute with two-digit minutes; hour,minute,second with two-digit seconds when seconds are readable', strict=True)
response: 1,23
